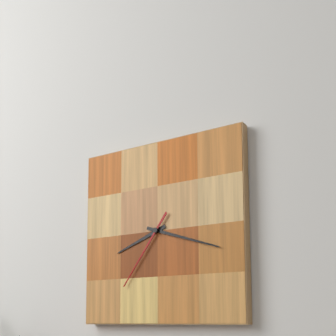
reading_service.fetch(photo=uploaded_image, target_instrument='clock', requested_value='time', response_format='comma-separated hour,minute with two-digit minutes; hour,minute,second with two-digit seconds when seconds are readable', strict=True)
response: 8,18,36
